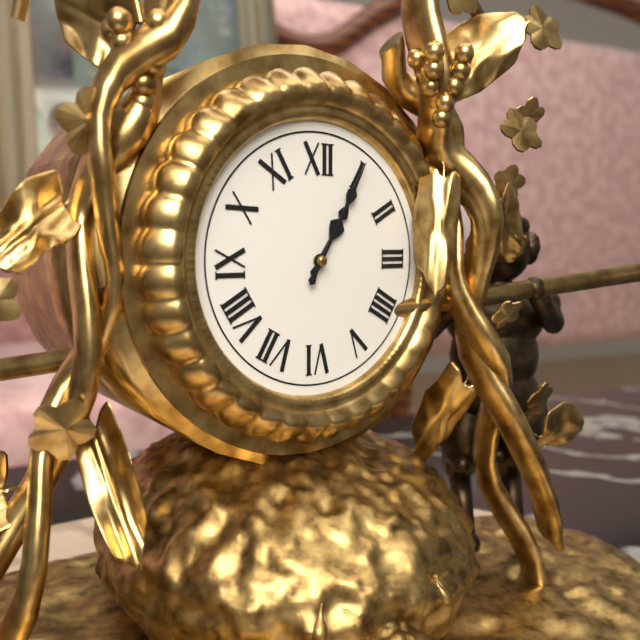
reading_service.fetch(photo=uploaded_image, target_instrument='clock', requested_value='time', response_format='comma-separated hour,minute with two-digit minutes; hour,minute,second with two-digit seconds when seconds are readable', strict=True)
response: 1,05
